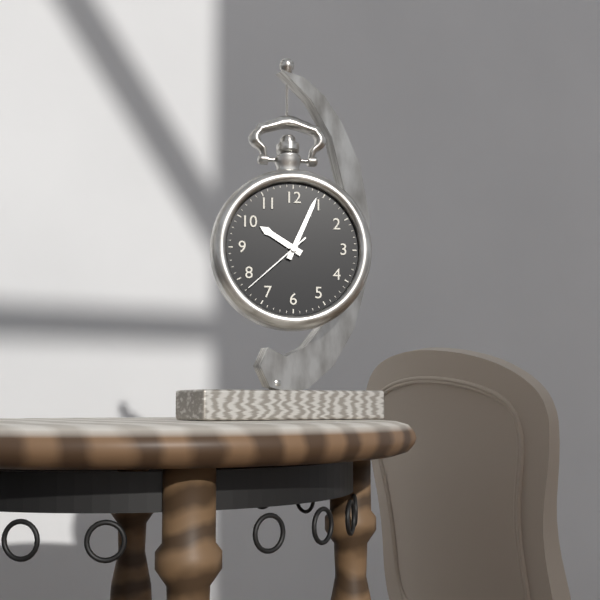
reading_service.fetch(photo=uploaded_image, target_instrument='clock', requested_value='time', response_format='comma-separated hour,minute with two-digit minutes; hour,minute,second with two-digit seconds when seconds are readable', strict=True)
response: 10,04,38
